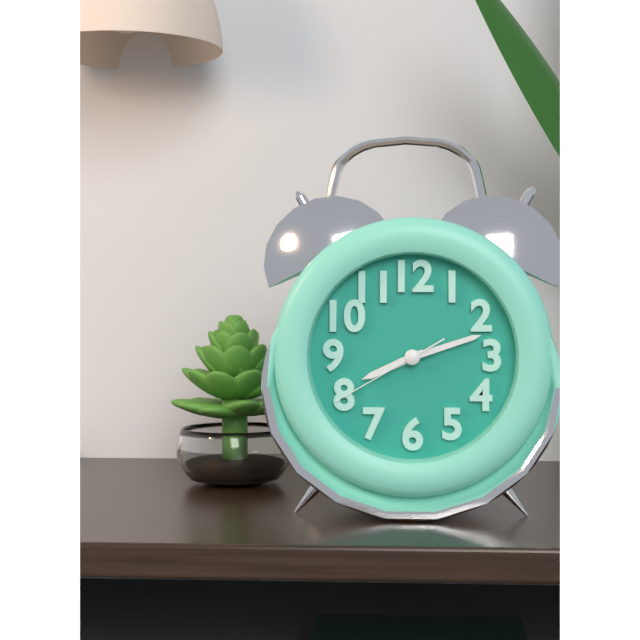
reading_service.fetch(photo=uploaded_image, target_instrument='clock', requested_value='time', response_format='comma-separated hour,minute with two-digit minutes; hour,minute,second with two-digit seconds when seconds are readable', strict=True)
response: 8,12,40
